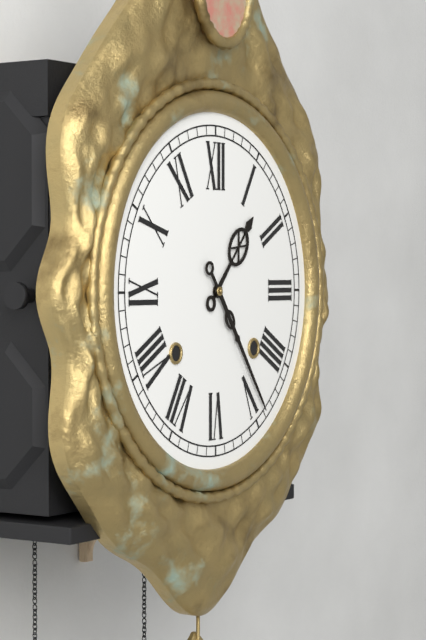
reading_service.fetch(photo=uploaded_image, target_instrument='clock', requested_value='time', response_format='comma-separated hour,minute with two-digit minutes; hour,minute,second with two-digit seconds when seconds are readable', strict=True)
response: 1,24
